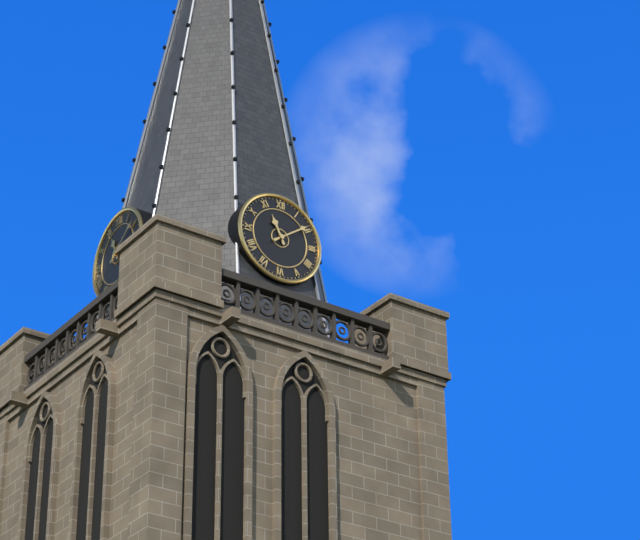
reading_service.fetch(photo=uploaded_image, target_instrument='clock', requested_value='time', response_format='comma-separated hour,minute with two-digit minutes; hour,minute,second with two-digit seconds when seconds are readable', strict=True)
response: 11,09
